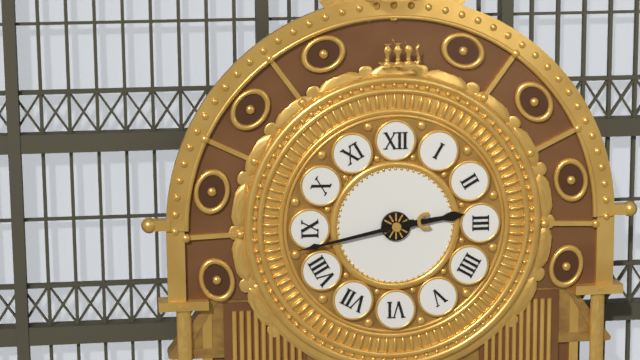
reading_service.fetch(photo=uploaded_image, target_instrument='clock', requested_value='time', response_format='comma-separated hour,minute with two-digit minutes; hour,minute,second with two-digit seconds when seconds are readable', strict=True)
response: 2,43
